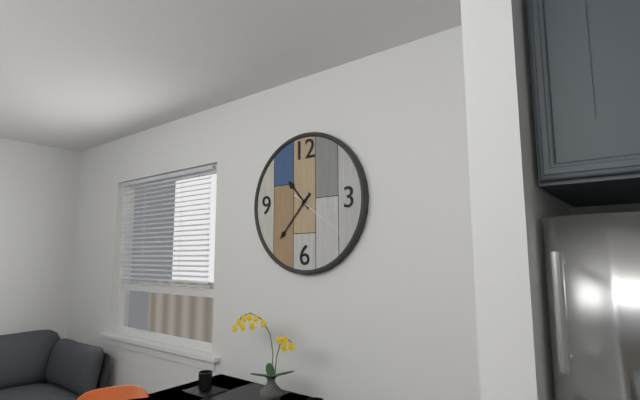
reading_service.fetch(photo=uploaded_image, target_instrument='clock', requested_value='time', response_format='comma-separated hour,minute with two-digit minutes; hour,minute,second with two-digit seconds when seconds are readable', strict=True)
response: 10,37,21
